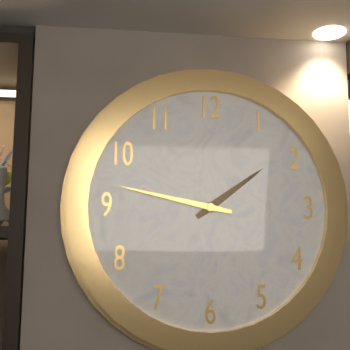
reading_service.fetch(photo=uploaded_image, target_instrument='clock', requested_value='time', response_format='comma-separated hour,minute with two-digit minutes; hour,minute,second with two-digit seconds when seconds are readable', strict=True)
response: 1,47
